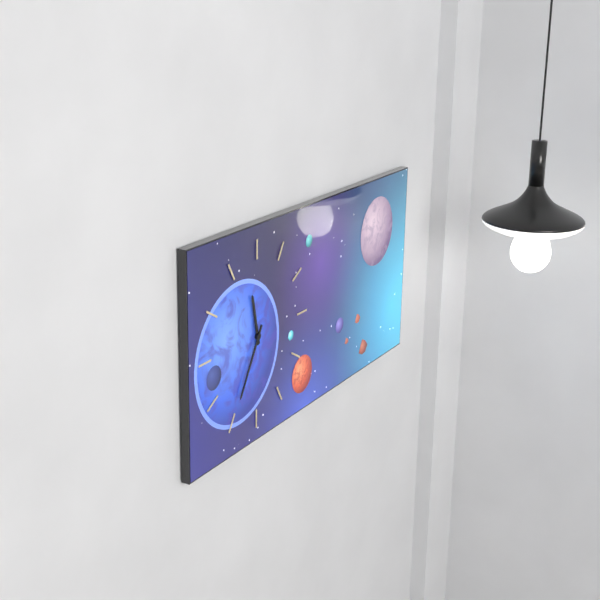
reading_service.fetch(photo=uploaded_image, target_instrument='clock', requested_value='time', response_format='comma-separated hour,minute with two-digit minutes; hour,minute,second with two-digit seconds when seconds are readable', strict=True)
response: 11,35
